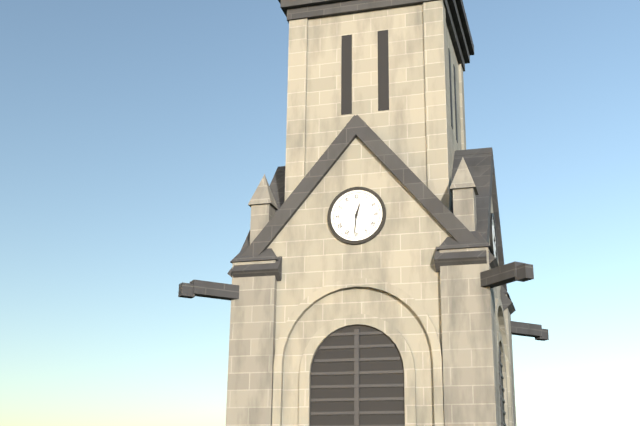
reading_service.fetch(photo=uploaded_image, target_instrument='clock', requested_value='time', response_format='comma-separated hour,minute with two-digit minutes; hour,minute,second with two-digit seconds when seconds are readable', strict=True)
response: 12,31
